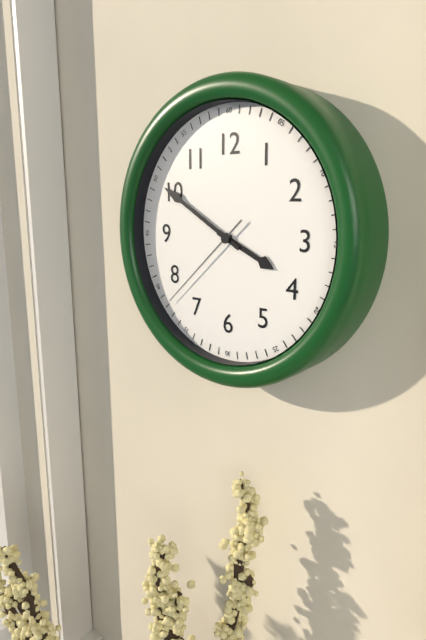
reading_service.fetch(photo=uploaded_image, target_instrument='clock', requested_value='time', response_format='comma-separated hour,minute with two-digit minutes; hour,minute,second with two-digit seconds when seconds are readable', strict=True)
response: 3,50,38
